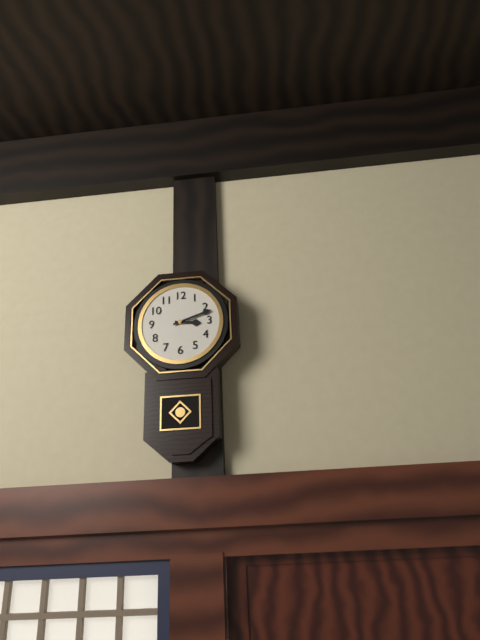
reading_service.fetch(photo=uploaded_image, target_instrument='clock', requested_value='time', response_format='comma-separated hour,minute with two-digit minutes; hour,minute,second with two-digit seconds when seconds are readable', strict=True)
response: 3,12
